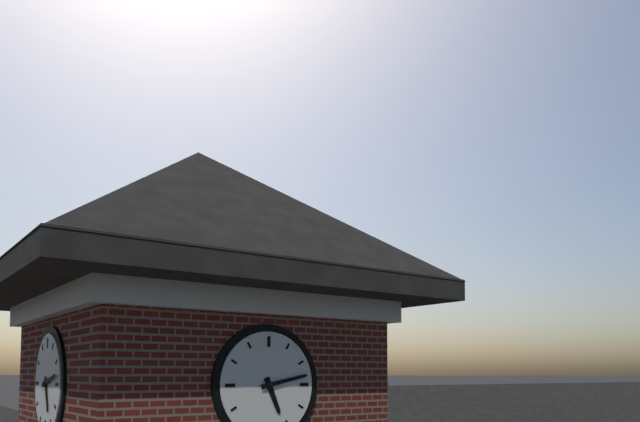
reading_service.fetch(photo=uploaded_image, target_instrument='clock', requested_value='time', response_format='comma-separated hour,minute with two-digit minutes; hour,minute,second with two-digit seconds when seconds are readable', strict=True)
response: 5,13
